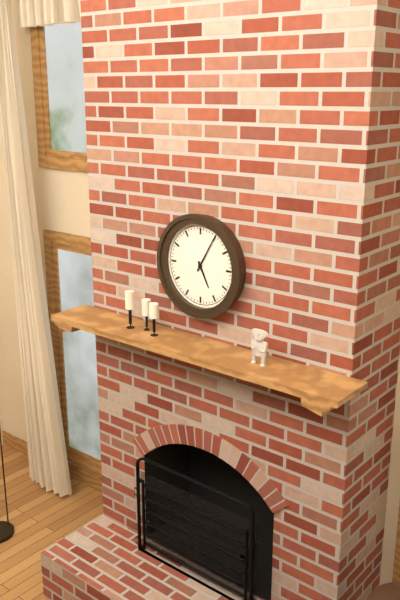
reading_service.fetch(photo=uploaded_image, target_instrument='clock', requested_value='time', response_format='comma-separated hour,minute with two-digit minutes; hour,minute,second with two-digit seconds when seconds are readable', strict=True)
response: 5,05
